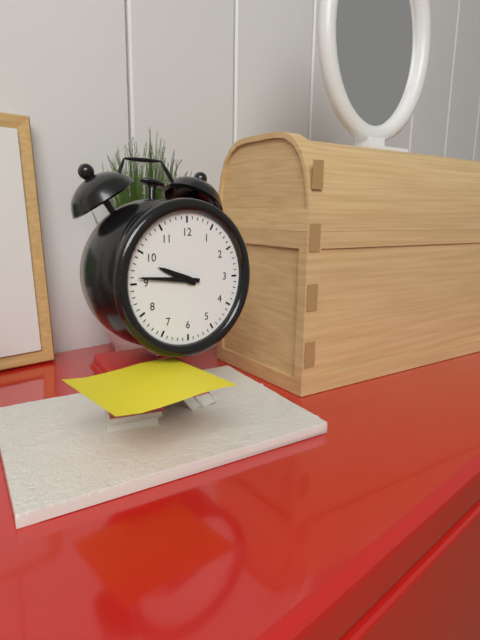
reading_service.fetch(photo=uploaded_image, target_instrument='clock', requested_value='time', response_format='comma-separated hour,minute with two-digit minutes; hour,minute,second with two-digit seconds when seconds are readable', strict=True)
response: 9,46
